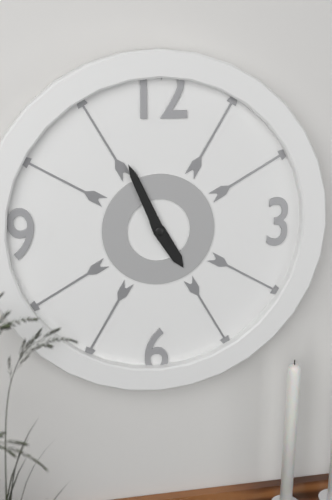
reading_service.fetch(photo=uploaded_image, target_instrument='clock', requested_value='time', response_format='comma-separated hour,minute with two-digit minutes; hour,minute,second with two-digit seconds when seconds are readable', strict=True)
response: 4,56
